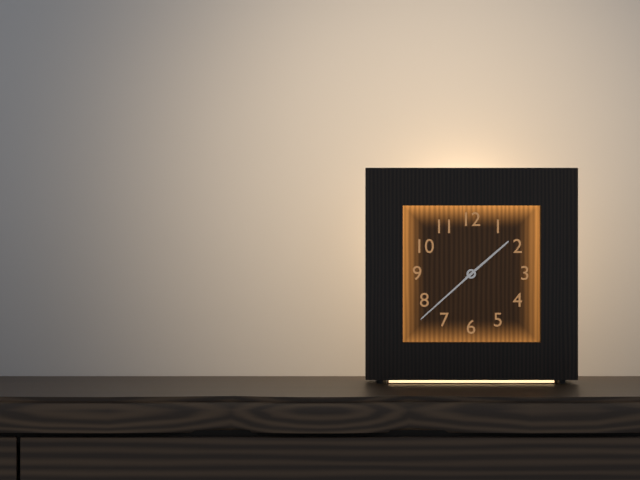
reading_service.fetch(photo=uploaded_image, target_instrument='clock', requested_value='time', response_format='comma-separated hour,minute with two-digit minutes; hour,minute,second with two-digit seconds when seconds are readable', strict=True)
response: 1,38
